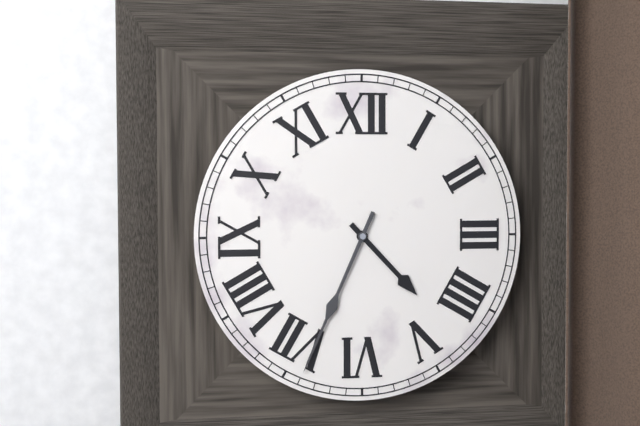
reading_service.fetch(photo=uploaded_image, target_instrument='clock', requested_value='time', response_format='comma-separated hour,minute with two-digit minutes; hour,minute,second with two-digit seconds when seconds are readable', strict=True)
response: 4,34
